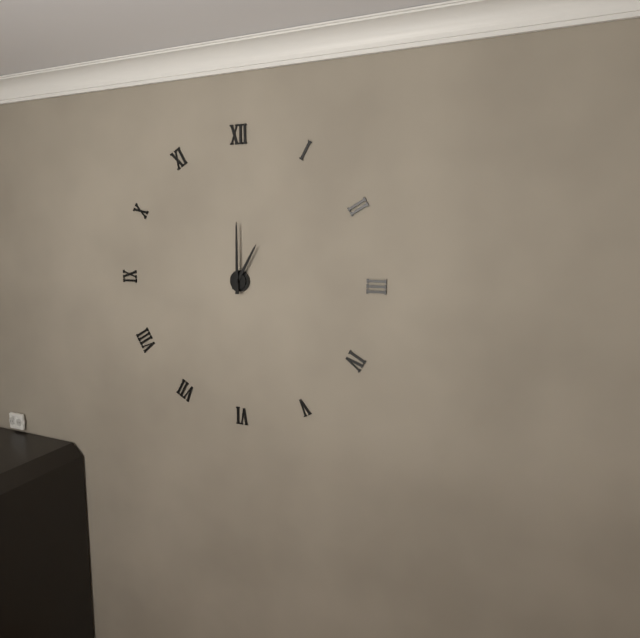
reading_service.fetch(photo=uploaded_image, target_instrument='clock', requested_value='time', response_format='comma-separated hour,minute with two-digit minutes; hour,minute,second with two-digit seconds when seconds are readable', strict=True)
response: 1,00
